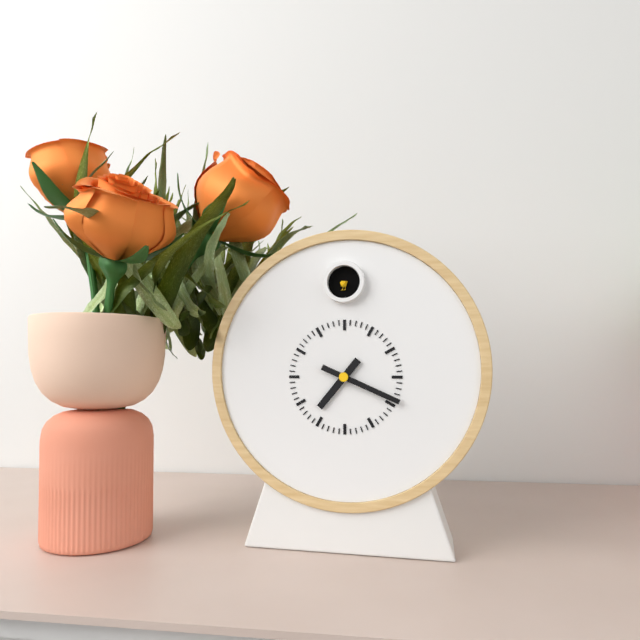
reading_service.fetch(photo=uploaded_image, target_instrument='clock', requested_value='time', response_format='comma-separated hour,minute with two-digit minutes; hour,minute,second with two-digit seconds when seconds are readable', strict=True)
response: 7,19
